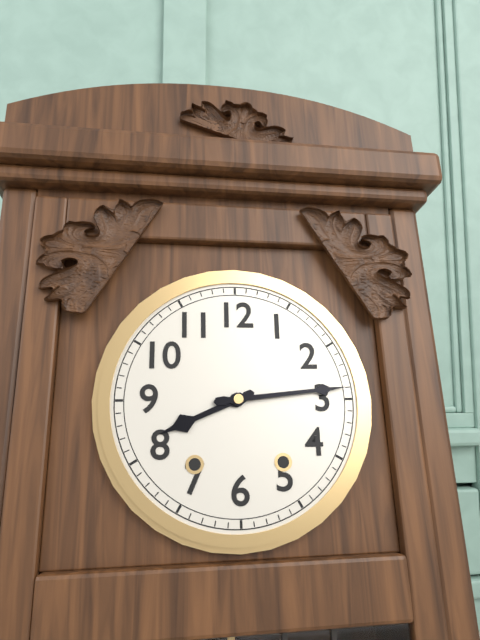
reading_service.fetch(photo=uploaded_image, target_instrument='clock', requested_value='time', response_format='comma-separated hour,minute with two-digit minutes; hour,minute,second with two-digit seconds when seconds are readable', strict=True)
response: 8,14
